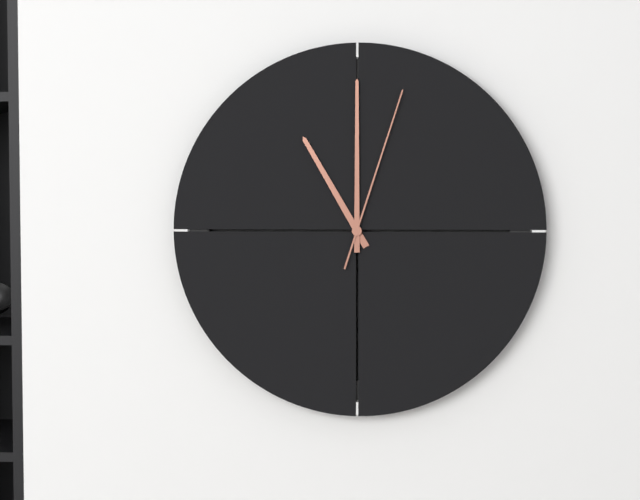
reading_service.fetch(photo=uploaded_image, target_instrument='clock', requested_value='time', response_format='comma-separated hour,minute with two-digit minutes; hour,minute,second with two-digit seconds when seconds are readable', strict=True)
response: 11,00,03
